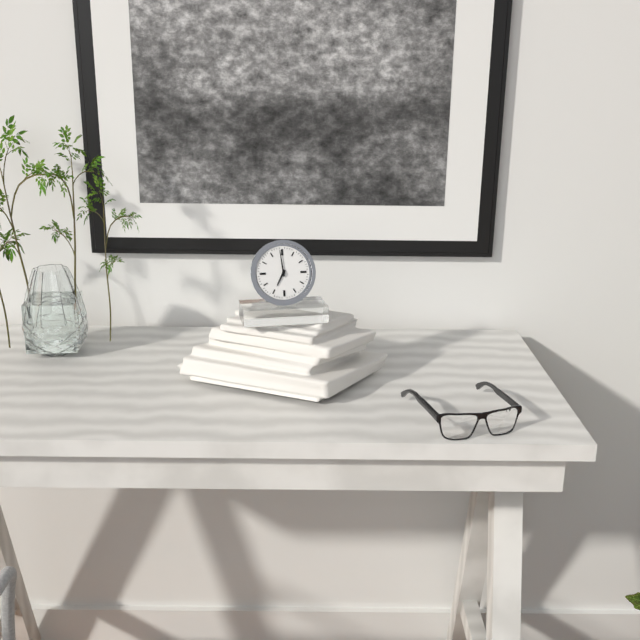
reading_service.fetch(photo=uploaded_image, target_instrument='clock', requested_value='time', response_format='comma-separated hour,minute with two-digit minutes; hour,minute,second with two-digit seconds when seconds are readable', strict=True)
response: 6,59
